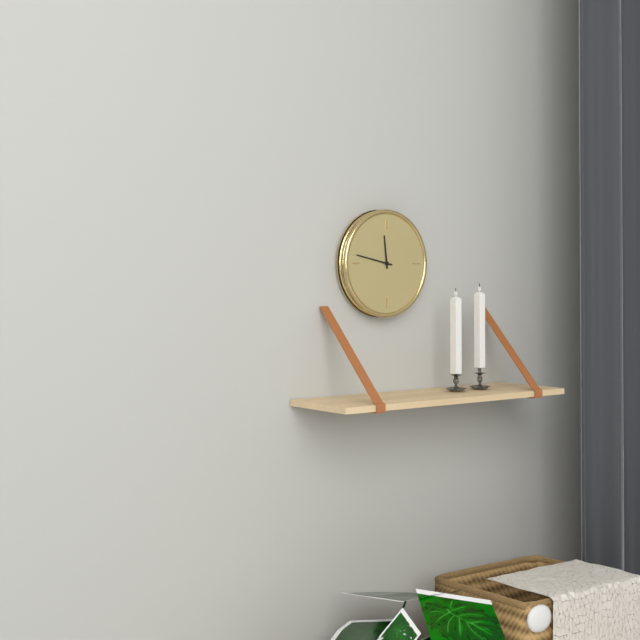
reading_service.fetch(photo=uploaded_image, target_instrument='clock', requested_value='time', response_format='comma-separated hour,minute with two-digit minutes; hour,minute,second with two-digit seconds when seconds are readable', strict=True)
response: 11,47
